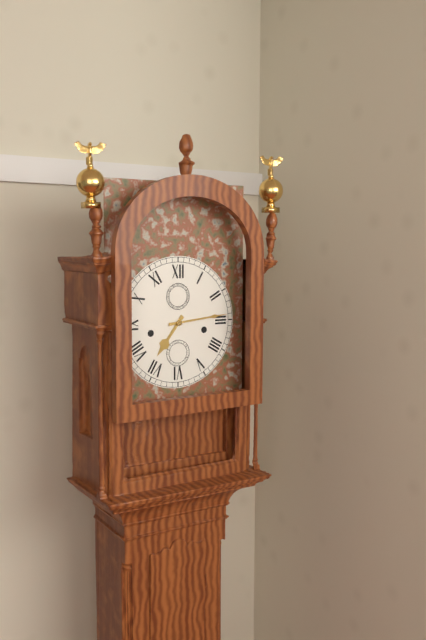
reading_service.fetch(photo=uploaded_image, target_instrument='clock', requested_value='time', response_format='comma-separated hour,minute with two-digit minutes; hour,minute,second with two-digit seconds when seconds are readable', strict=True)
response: 7,14
